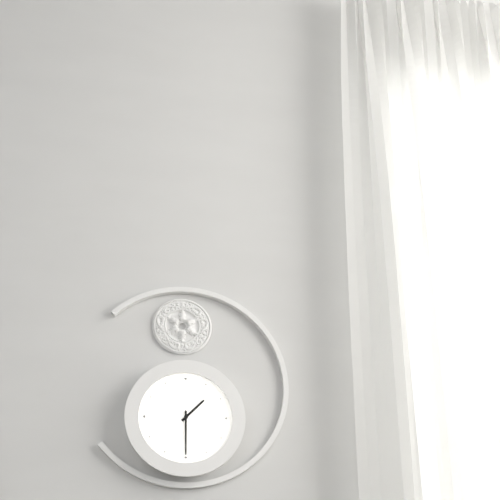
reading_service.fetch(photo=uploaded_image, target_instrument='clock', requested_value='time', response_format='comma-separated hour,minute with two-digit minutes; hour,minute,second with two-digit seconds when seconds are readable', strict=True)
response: 1,30
